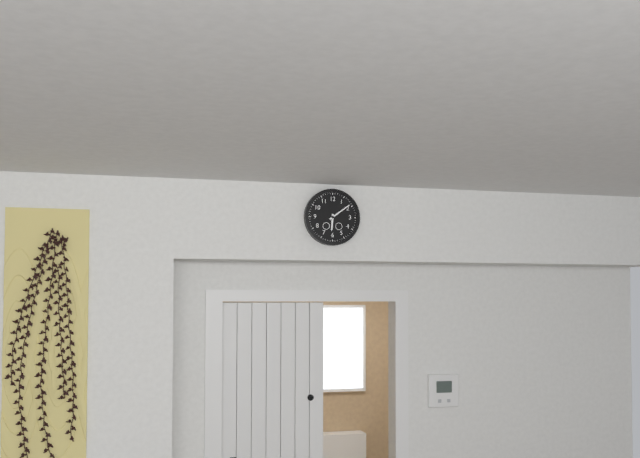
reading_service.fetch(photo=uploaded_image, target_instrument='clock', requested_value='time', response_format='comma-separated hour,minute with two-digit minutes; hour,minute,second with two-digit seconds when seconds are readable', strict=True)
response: 6,09
